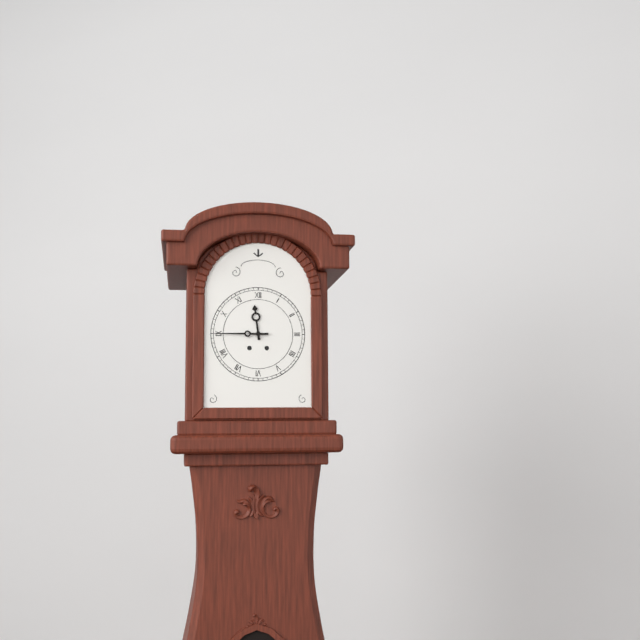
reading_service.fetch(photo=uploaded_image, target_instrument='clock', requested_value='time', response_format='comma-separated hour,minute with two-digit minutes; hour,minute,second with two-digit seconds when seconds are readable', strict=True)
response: 11,45
